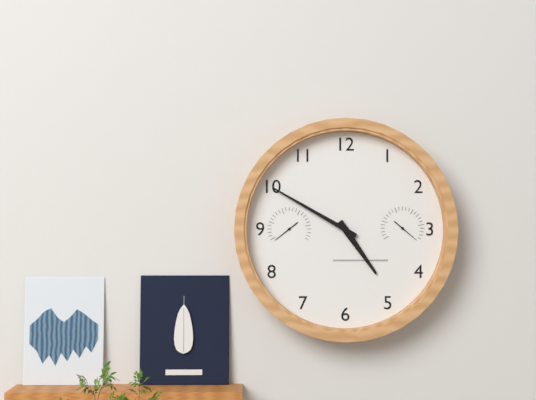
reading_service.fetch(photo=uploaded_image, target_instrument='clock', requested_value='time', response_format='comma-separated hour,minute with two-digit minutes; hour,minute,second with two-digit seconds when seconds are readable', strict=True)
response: 4,50
